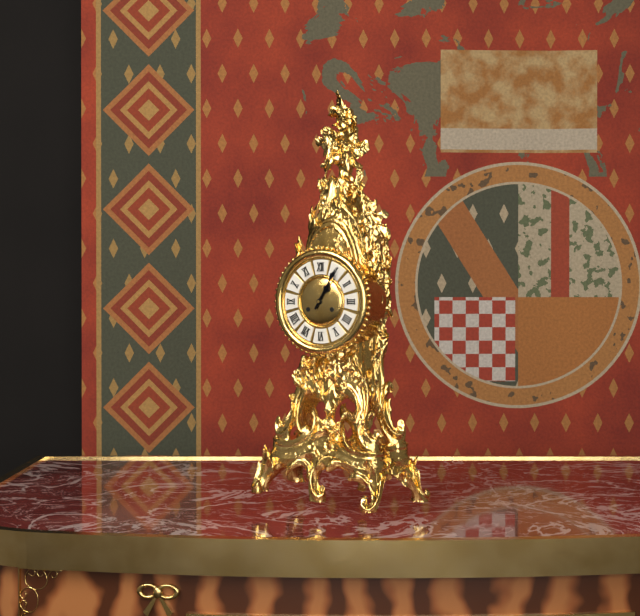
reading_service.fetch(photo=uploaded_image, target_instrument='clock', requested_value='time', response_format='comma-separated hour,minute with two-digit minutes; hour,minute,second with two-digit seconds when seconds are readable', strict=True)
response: 1,05
